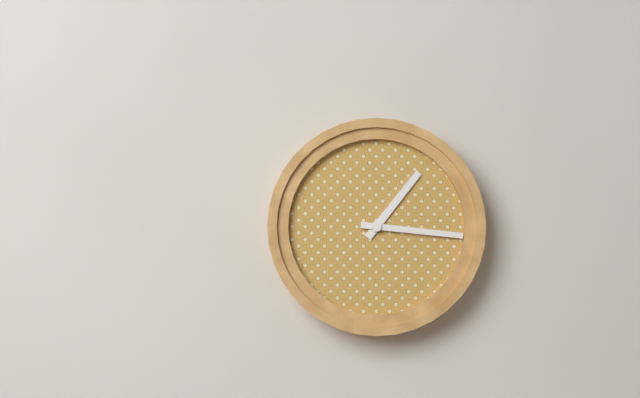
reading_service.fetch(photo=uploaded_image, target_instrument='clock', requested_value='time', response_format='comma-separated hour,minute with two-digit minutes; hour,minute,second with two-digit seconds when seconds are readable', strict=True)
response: 1,16
